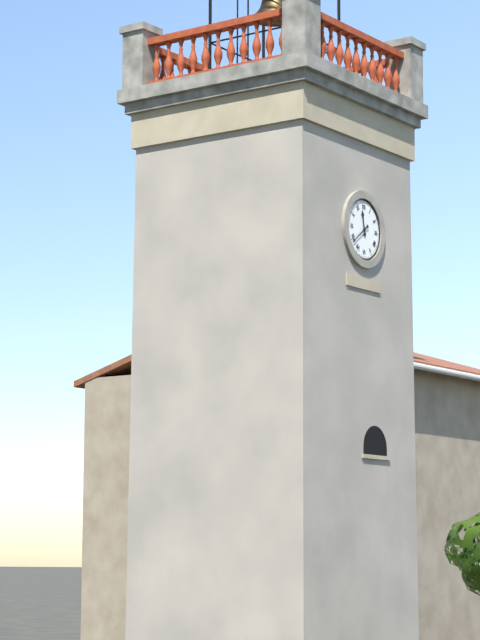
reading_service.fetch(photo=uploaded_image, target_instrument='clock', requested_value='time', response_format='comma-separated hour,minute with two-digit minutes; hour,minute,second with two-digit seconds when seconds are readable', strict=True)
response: 11,39
